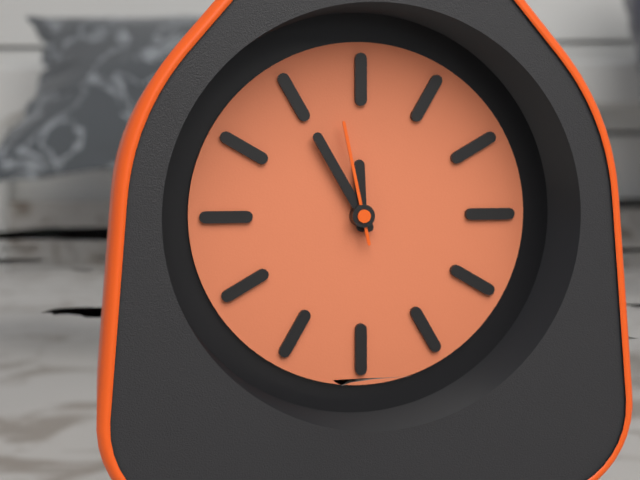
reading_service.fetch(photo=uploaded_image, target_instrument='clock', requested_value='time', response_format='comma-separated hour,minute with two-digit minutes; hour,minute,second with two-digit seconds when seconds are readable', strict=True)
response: 11,55,58
